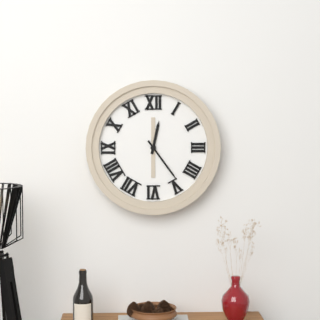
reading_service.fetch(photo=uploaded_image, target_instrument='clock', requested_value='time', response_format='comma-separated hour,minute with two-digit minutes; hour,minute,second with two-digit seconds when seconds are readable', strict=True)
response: 12,24
